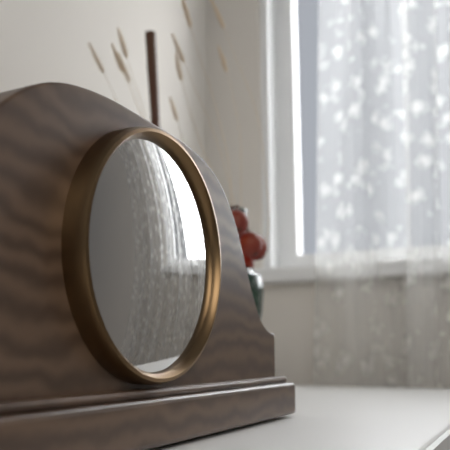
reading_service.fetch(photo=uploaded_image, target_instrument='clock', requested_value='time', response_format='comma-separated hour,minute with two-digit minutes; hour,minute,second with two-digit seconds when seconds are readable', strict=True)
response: 8,29
